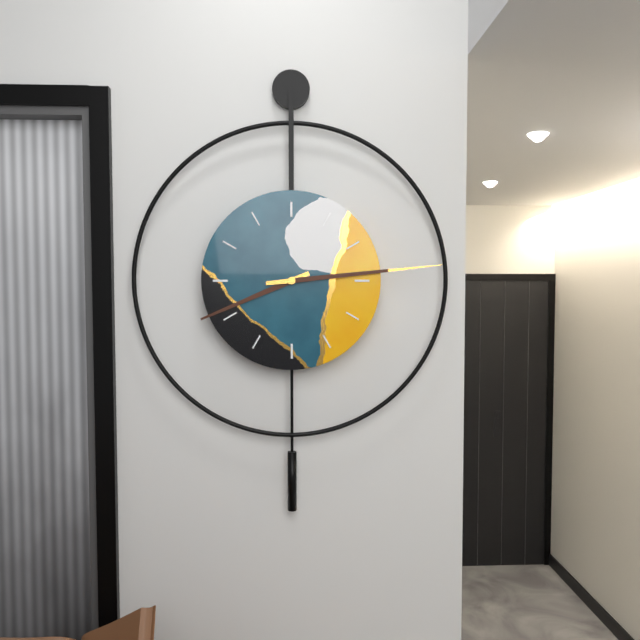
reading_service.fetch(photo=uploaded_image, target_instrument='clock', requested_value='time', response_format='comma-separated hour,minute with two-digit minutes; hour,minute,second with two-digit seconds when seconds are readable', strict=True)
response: 8,14
